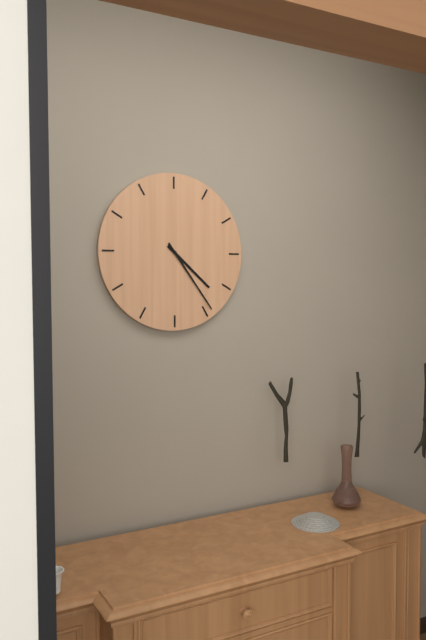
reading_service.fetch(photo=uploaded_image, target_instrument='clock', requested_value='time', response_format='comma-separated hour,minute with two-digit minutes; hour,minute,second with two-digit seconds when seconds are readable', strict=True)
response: 4,24
